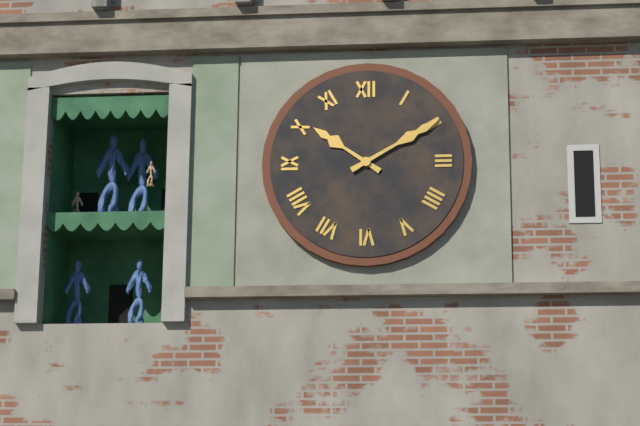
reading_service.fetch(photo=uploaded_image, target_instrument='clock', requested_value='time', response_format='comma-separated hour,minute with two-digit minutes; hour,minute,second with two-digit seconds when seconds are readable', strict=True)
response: 10,10
